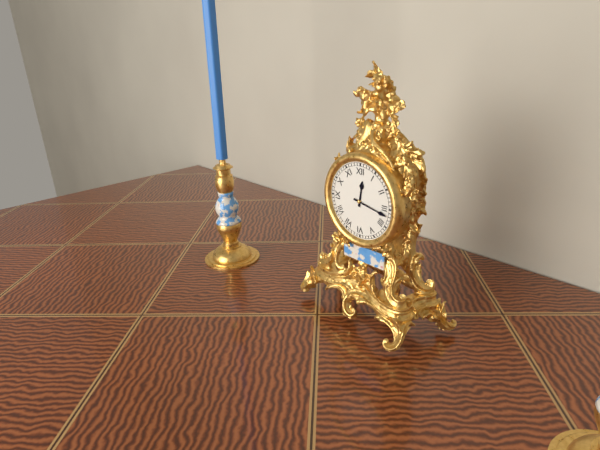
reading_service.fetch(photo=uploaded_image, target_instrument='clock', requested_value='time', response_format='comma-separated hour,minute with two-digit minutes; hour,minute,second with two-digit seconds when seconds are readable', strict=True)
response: 12,17
